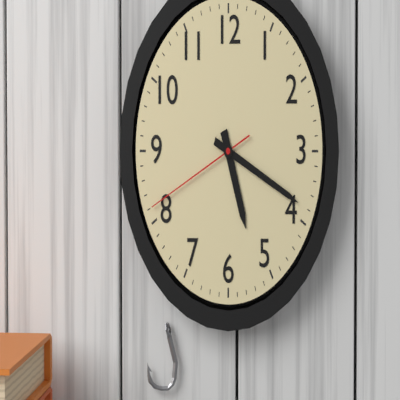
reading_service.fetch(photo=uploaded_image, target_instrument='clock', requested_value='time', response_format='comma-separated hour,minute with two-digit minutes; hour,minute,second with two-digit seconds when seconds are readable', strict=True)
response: 5,19,41
